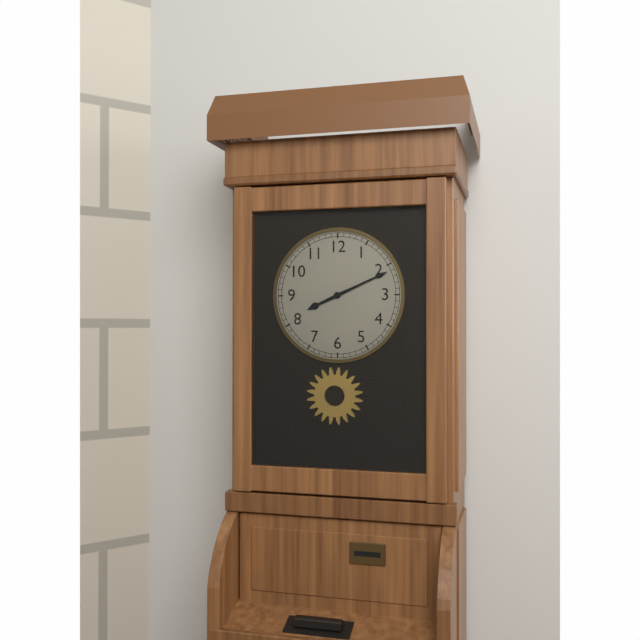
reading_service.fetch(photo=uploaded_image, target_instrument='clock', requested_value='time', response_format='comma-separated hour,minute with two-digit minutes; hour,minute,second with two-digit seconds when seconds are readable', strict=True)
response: 8,11
